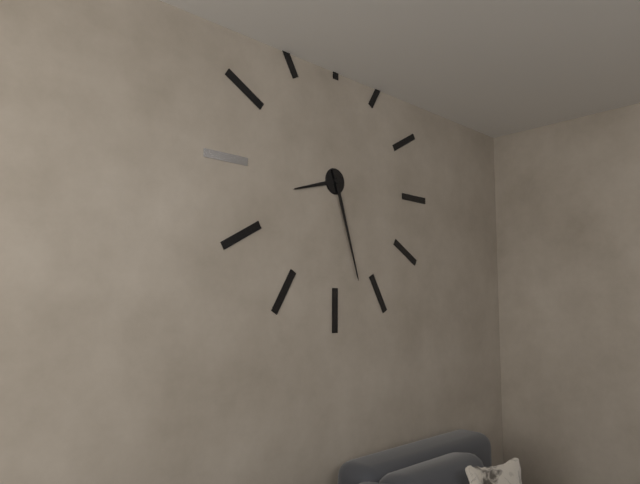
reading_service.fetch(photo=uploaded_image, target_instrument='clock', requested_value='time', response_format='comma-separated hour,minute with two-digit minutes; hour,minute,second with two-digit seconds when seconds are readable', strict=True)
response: 8,27
